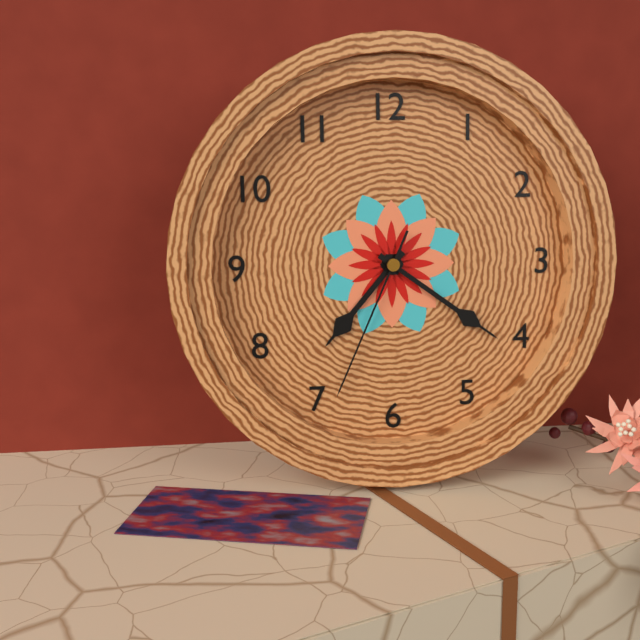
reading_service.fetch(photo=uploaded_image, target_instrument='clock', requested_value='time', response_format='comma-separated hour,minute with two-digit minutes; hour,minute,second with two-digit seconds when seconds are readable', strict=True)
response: 7,21,34
